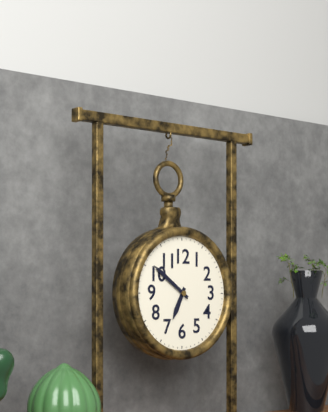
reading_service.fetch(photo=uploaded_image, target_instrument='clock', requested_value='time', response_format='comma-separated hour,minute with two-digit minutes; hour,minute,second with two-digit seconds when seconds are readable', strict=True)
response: 6,51
